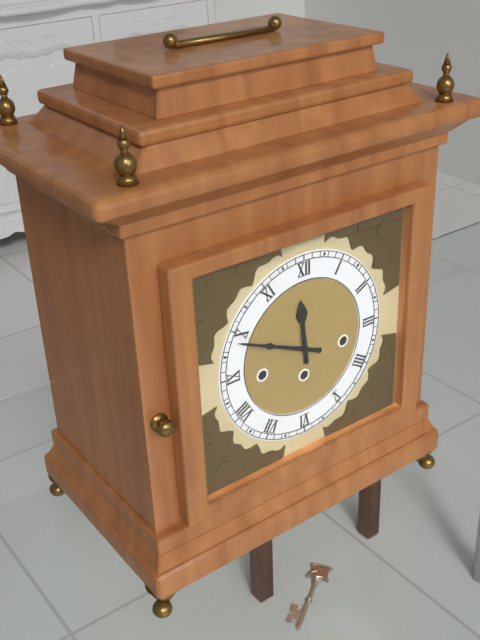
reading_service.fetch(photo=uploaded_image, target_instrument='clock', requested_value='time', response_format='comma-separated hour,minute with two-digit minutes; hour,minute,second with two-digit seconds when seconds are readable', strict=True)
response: 11,49
